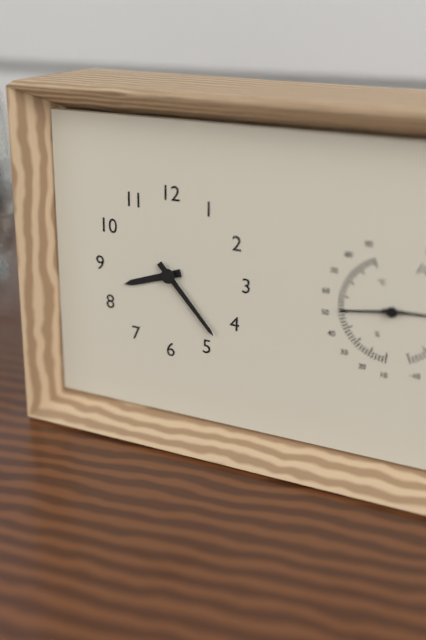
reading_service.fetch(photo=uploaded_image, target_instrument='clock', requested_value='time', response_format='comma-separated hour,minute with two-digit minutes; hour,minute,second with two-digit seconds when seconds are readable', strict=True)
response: 8,23
